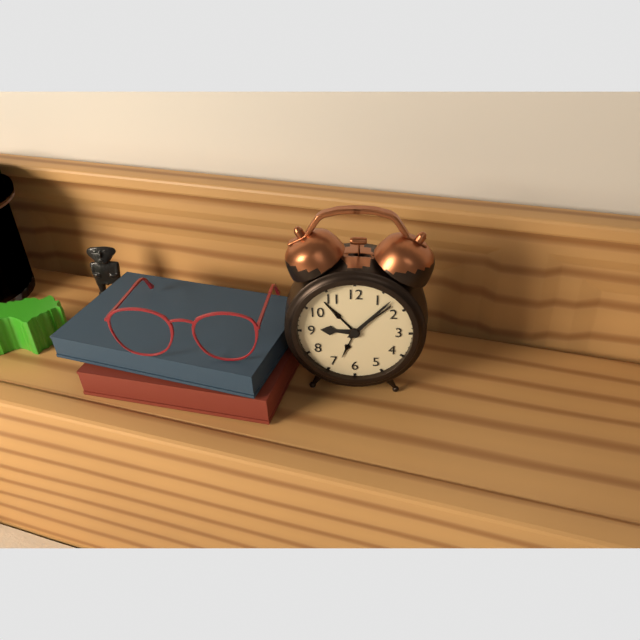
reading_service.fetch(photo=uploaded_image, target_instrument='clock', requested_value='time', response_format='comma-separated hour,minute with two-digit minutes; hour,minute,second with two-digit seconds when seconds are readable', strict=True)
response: 9,07
